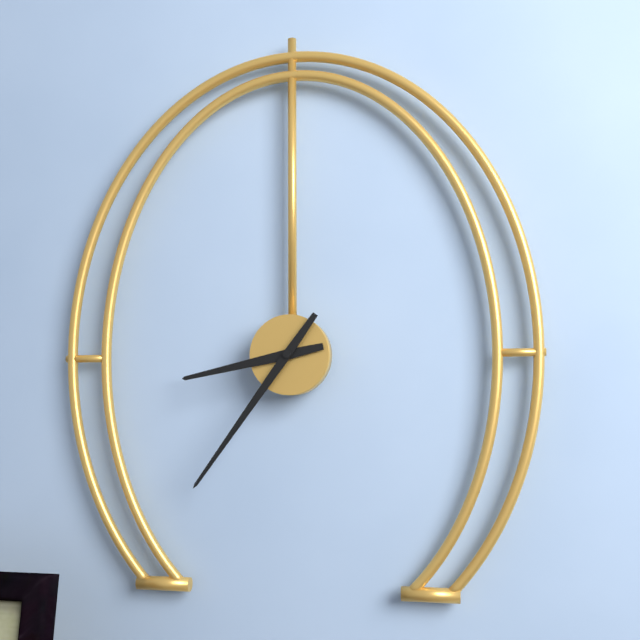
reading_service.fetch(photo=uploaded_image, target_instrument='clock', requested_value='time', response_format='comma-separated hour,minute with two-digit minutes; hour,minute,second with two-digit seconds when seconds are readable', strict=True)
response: 8,36
